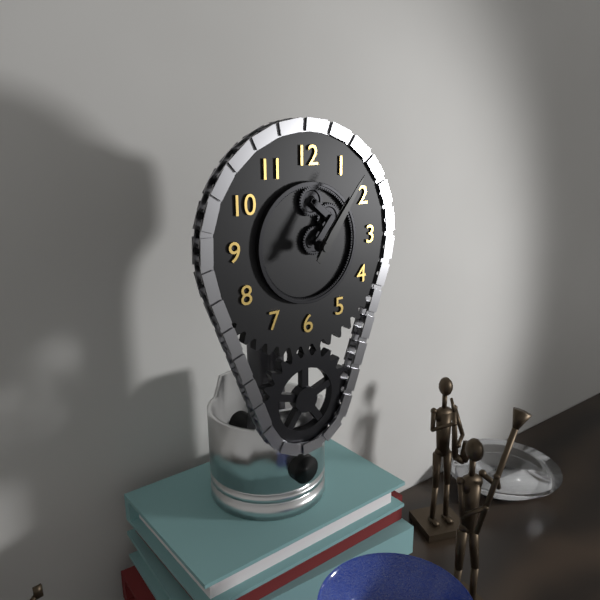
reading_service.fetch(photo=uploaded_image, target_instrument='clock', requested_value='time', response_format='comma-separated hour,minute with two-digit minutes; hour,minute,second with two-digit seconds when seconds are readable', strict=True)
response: 1,06
